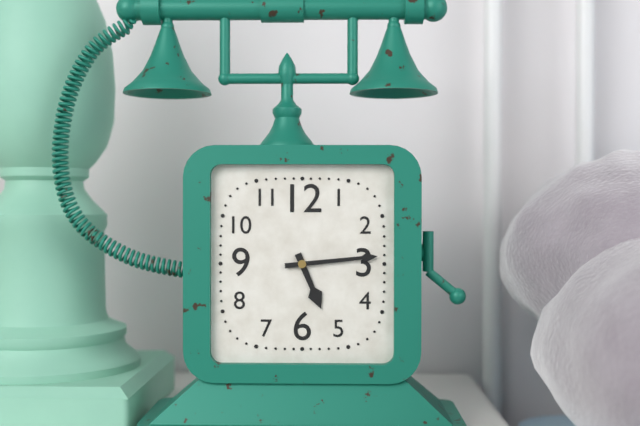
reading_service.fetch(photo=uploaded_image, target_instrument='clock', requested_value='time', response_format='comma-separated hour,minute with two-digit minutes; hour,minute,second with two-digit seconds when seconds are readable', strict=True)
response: 5,14
